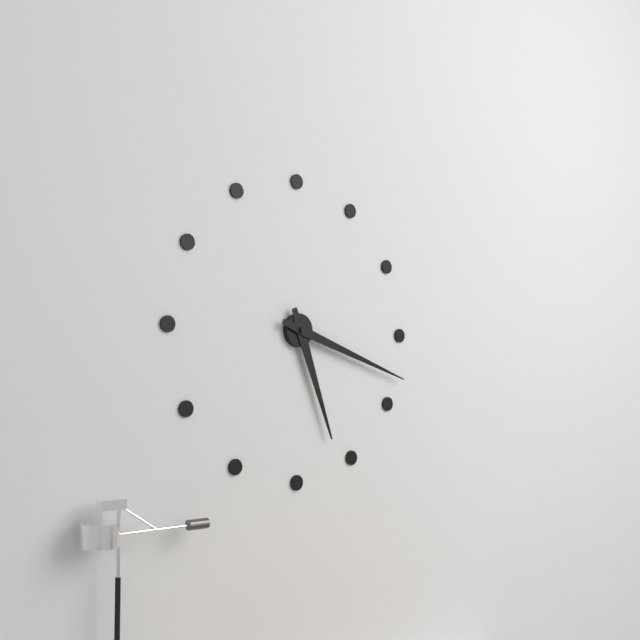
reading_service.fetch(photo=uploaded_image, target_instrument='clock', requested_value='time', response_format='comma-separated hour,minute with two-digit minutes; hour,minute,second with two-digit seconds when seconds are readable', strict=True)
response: 5,18
